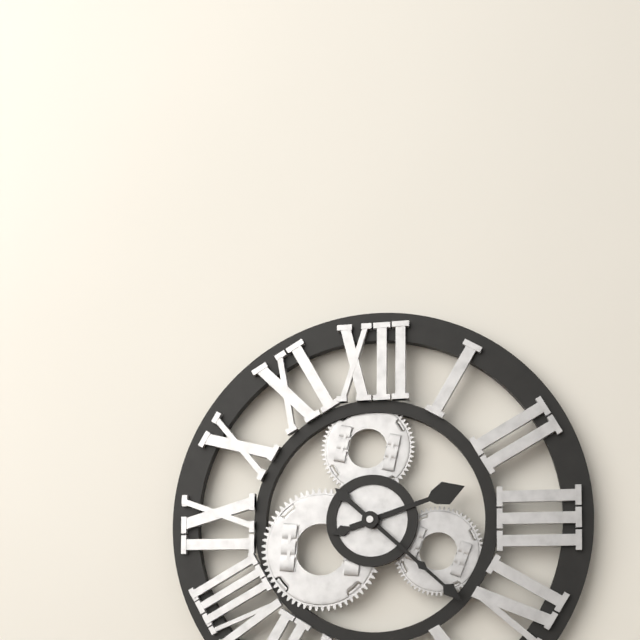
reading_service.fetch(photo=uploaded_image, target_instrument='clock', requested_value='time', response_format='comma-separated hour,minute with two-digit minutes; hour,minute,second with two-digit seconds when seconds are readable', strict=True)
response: 2,22
